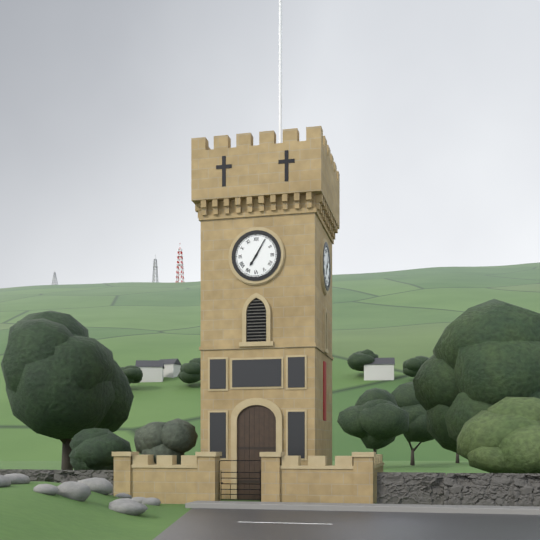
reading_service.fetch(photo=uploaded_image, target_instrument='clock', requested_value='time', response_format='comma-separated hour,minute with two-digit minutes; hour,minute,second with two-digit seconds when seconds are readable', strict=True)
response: 7,05
